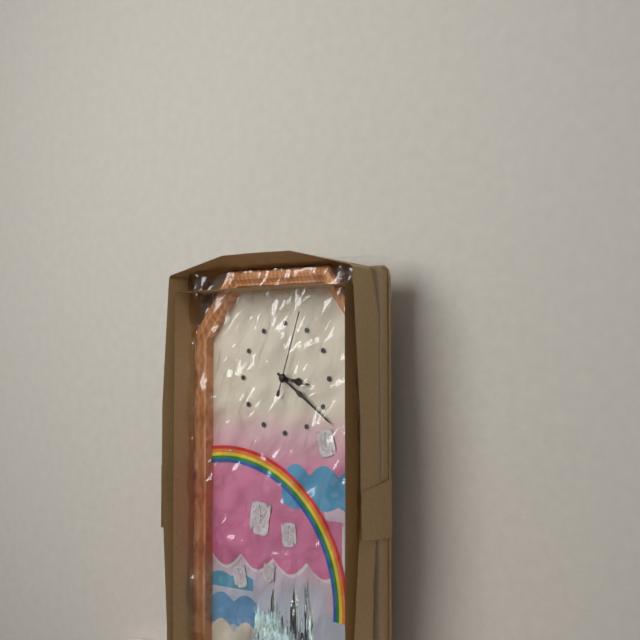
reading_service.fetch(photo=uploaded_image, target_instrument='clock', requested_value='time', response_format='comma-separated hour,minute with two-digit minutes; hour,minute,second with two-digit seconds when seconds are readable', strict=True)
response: 3,21,03
